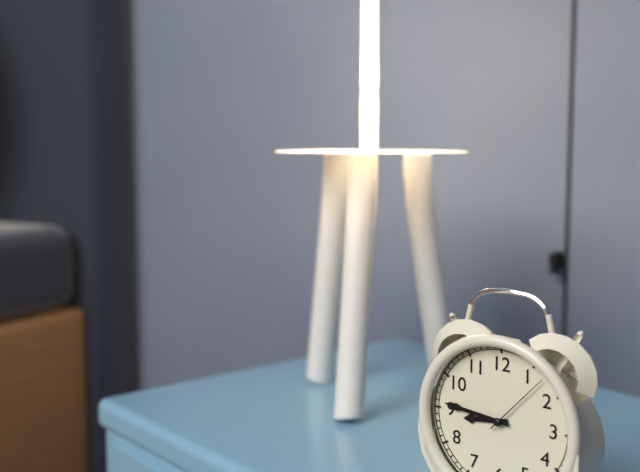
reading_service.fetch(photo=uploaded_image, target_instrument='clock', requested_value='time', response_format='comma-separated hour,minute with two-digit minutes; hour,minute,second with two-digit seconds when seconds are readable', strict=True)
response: 8,46,07
